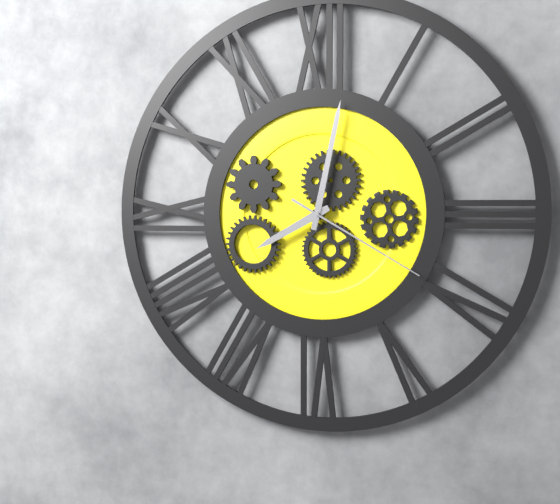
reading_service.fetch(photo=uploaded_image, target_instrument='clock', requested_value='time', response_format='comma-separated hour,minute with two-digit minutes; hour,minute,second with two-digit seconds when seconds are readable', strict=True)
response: 8,02,20
